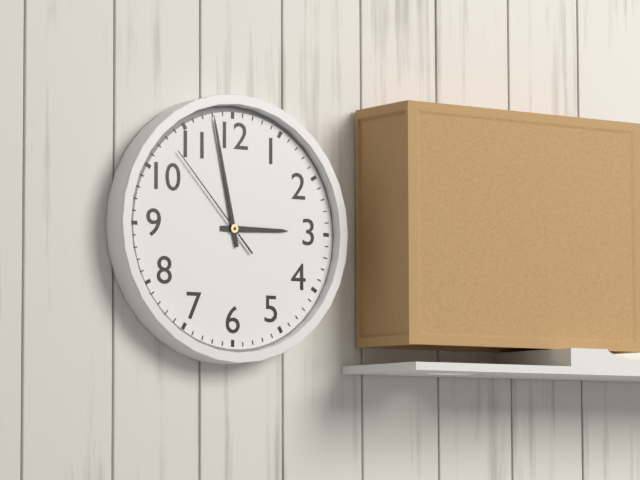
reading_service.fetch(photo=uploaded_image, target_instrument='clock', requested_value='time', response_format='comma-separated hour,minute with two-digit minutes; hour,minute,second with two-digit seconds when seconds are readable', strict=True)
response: 2,58,53
